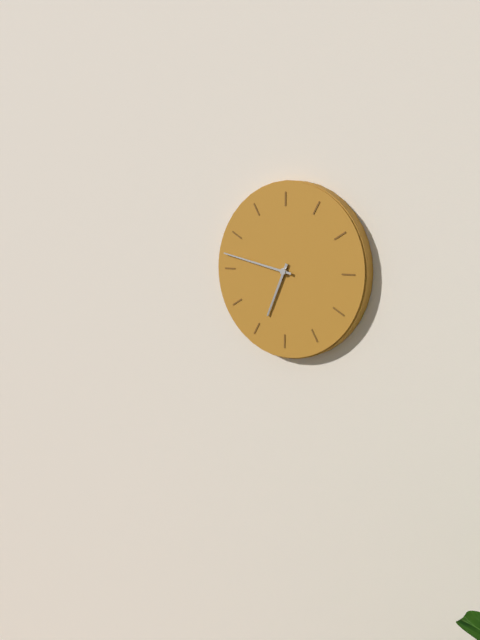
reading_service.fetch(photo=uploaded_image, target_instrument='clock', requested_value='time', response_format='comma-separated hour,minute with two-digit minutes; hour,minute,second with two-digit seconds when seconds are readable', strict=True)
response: 6,47
